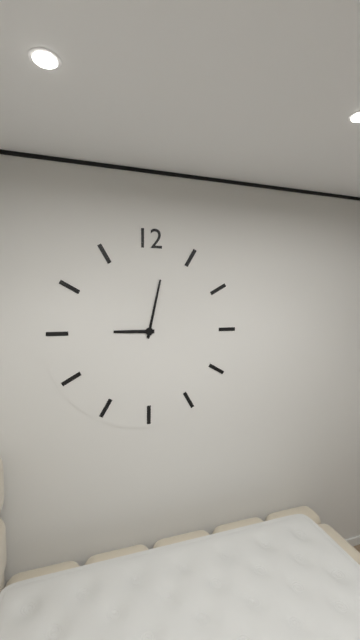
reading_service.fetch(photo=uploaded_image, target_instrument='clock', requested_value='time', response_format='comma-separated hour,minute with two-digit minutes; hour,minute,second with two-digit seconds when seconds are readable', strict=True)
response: 9,02
